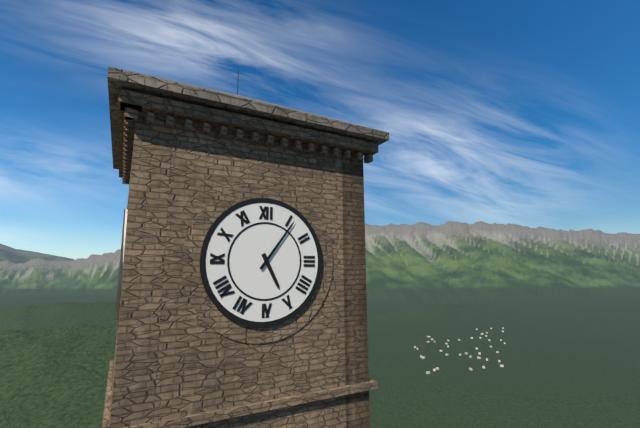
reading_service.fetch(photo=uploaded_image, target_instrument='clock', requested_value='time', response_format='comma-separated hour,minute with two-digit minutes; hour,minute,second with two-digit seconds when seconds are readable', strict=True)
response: 5,06
